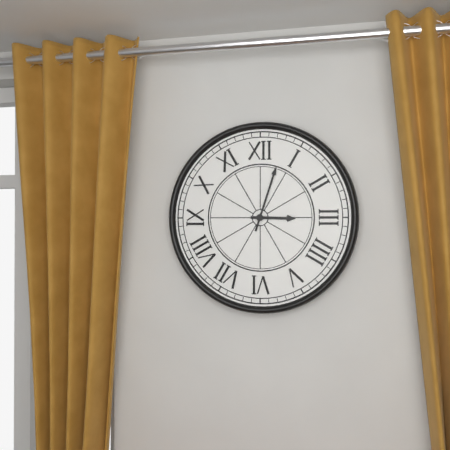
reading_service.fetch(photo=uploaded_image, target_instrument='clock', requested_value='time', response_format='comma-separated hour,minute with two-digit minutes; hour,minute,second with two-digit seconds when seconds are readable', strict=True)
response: 3,03
